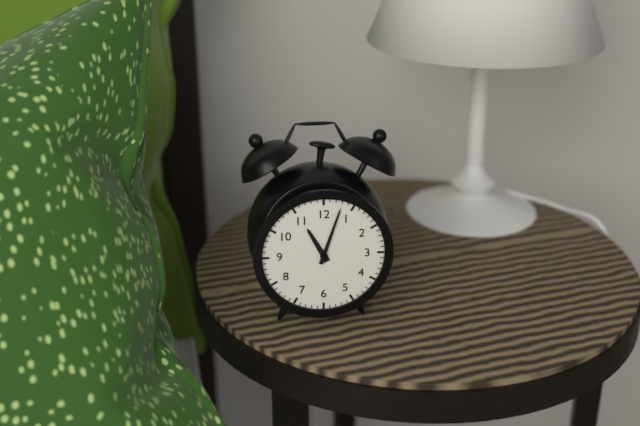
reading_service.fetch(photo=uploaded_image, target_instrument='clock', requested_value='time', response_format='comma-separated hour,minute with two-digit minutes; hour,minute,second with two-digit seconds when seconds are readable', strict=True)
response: 11,03
